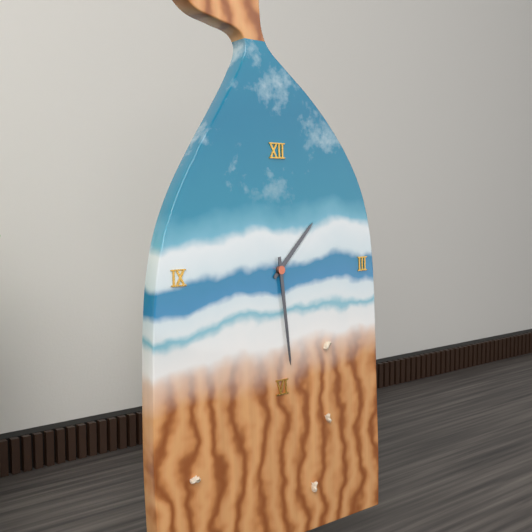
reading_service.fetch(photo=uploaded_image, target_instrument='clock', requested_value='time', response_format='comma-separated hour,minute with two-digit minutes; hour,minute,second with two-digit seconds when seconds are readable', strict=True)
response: 1,29
